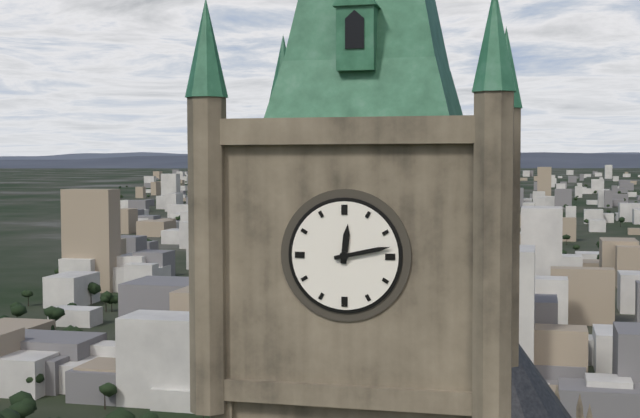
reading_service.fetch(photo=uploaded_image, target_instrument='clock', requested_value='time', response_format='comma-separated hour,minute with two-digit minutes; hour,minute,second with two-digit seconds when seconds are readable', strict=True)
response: 12,13
